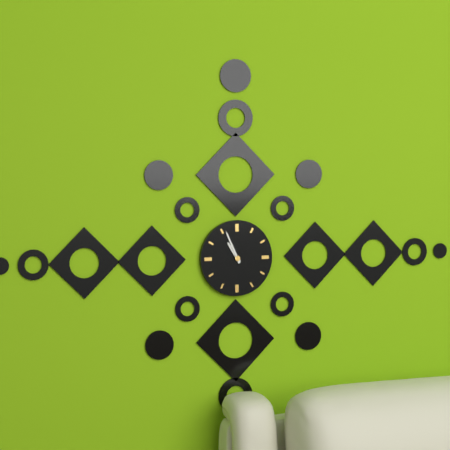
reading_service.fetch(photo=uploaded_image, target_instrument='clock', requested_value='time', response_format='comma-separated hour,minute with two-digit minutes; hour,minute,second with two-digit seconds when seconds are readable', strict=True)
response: 10,56
